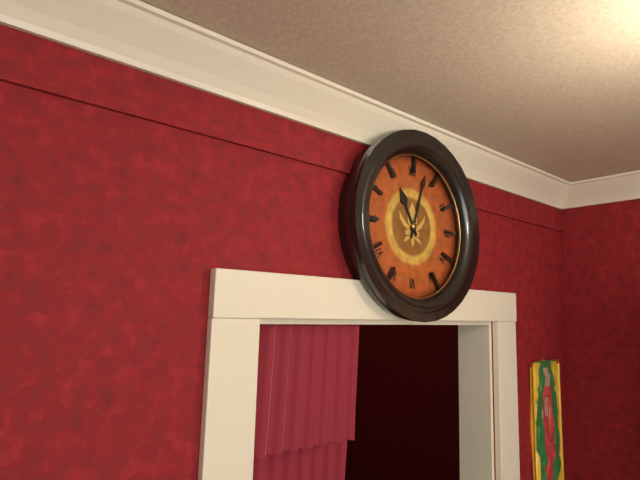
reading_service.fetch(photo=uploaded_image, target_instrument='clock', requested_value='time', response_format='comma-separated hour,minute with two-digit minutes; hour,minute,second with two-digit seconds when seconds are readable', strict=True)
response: 11,03
